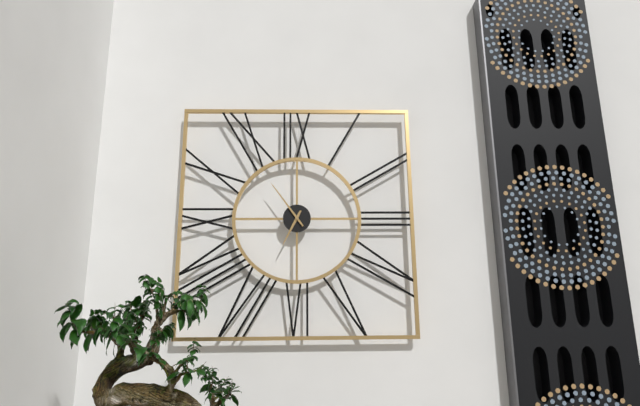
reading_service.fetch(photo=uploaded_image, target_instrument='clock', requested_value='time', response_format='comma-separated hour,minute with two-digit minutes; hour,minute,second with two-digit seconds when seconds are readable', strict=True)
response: 6,54
